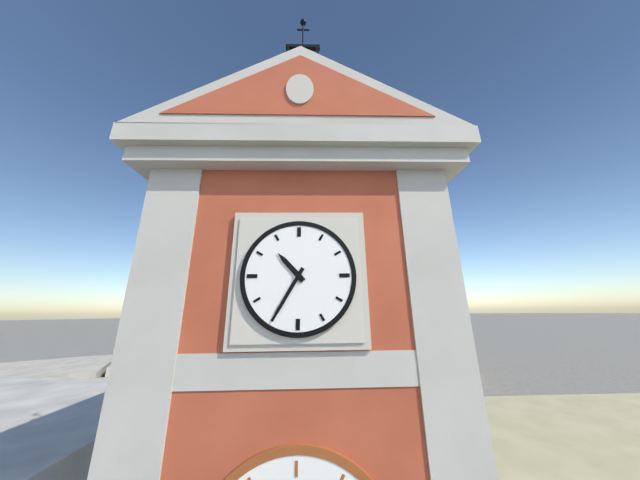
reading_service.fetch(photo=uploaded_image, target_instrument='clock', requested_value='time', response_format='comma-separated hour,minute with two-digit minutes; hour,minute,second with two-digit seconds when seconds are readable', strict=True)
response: 10,35
